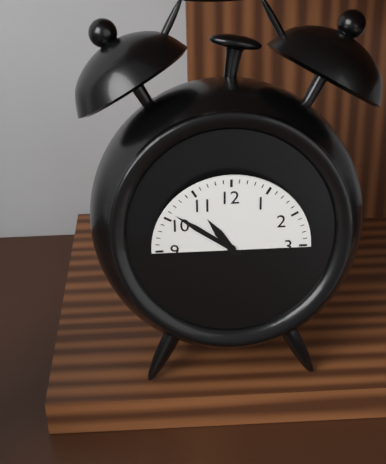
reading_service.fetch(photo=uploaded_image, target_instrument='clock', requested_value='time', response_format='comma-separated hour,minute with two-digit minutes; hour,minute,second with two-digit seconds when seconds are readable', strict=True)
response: 10,51
